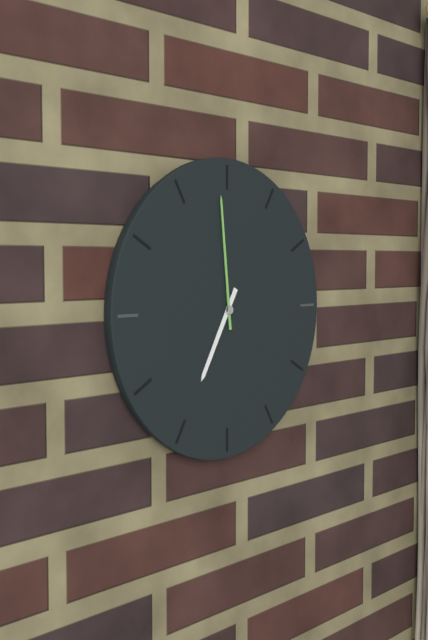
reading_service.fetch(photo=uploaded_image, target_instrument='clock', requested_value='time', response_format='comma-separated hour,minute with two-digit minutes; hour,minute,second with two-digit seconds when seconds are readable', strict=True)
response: 6,59
